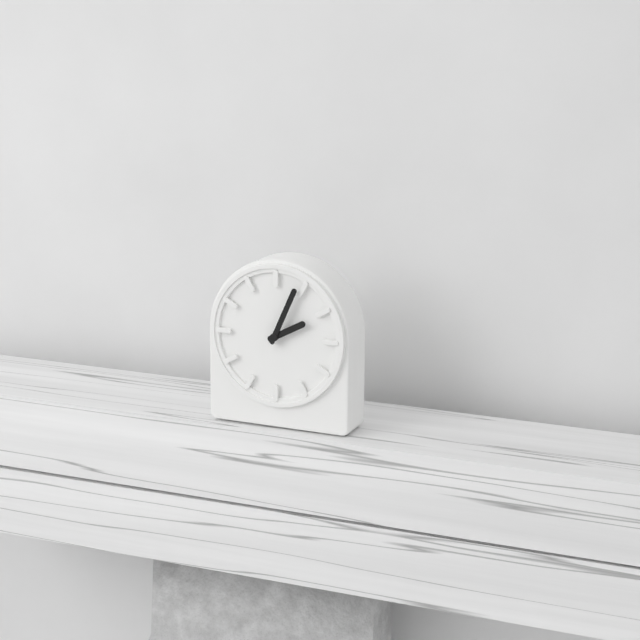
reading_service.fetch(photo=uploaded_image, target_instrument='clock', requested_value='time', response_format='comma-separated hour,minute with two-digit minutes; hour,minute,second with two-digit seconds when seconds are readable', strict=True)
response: 2,04
